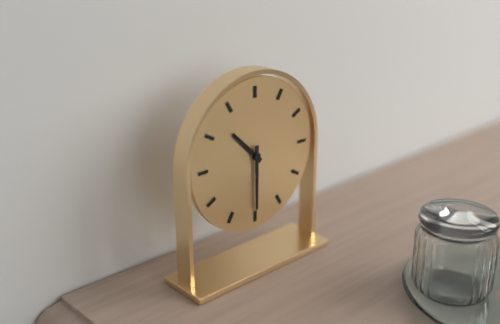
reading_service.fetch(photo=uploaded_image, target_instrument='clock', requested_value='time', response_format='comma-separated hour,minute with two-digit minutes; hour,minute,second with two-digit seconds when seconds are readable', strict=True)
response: 10,30
